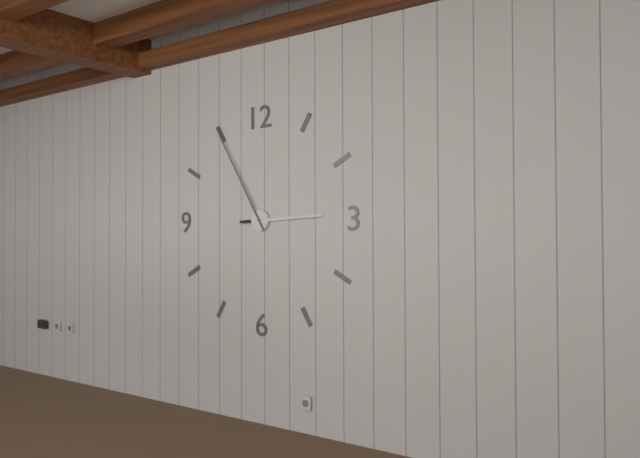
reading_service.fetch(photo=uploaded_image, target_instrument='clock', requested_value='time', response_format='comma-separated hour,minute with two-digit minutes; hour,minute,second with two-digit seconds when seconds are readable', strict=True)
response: 2,55
